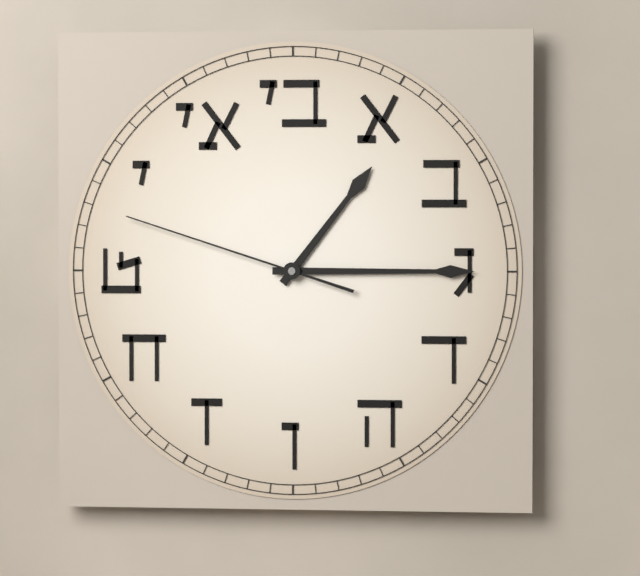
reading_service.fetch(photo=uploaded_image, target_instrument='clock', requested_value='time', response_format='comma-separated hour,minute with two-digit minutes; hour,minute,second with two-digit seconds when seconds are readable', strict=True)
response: 1,15,48
